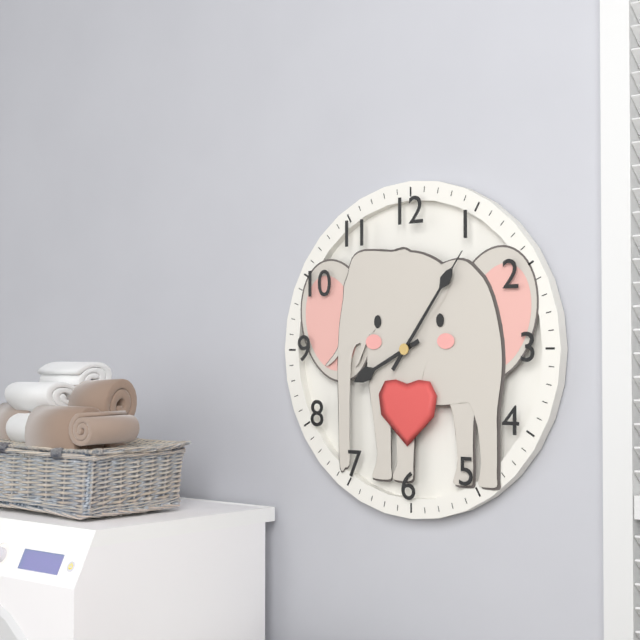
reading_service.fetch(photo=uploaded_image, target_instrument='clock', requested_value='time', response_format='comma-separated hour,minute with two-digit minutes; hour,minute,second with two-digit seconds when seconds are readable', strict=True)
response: 8,06
